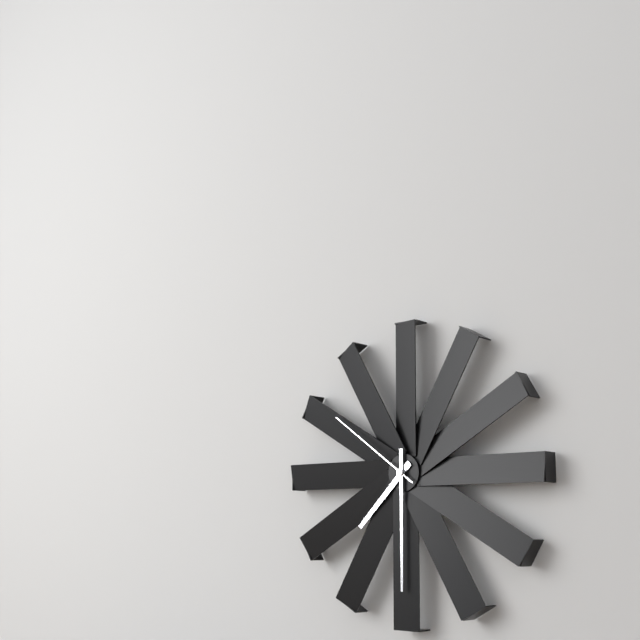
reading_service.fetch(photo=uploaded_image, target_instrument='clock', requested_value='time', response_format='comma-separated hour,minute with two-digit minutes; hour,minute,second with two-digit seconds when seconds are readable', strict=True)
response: 7,30,51
